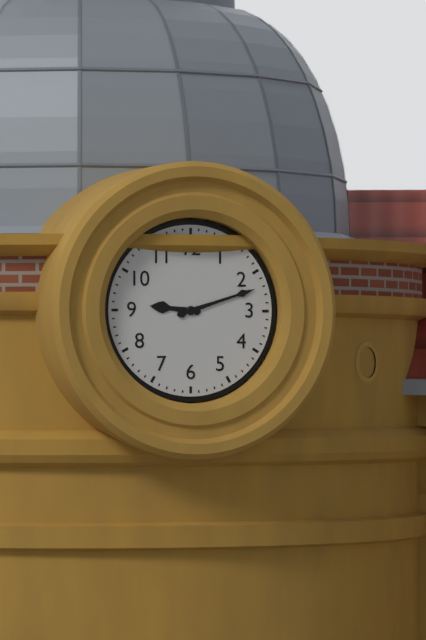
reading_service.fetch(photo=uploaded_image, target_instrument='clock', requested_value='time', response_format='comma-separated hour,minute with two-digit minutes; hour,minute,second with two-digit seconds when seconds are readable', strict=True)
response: 9,12
